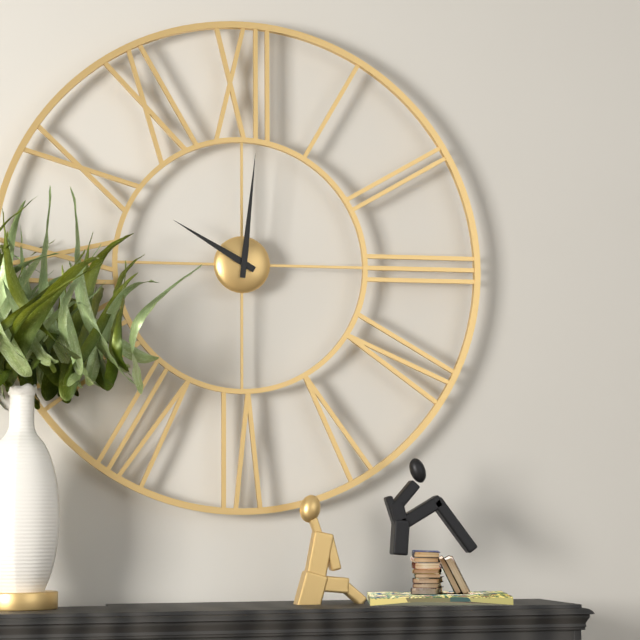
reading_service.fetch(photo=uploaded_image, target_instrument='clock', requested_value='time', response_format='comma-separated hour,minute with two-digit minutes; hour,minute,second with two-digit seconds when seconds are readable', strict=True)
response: 10,01
